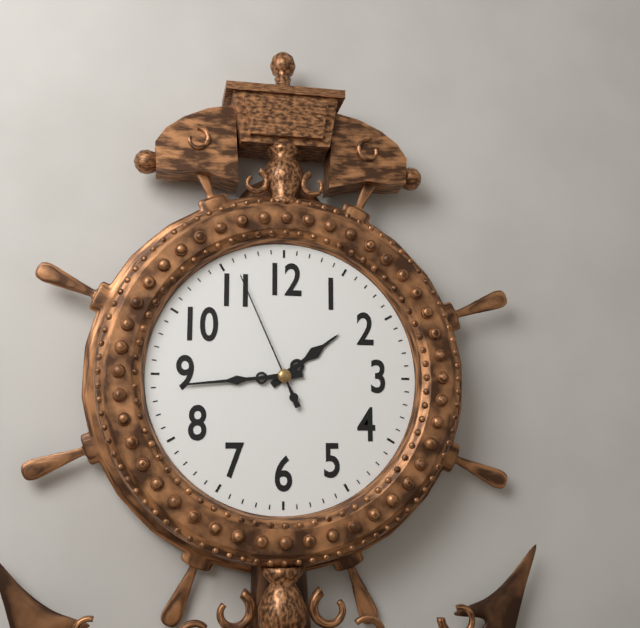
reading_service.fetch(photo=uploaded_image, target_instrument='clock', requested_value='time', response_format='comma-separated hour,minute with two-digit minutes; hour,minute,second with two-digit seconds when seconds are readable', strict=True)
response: 1,44,56
